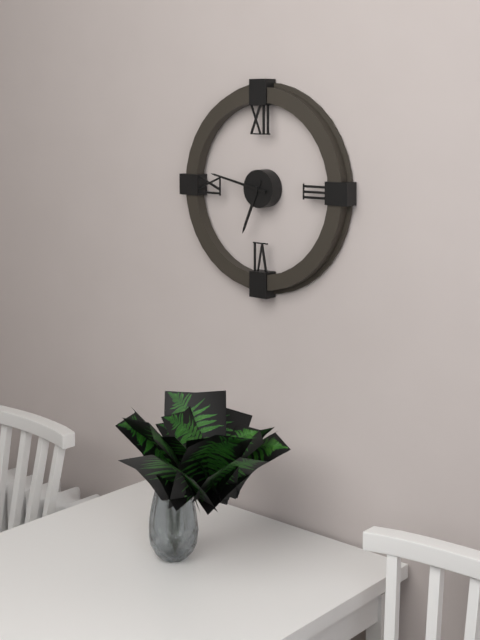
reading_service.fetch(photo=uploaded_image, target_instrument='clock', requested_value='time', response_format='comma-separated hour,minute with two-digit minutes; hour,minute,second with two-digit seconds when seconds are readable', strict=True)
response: 6,47
